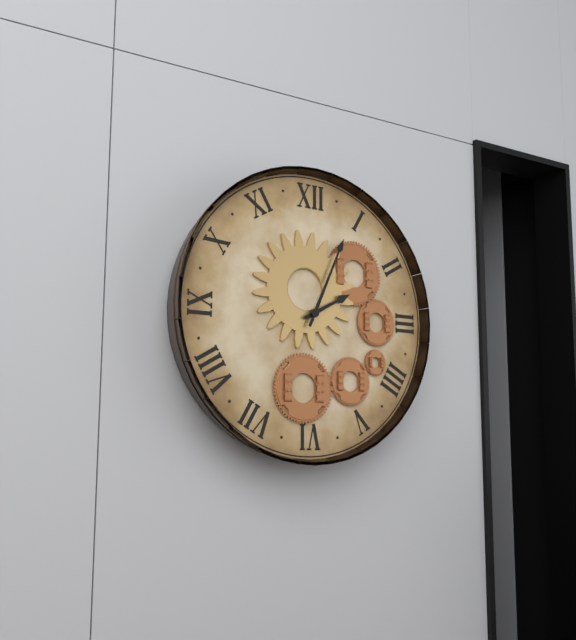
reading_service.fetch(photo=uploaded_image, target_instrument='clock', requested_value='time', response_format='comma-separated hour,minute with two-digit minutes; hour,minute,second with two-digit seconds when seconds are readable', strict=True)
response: 2,04
